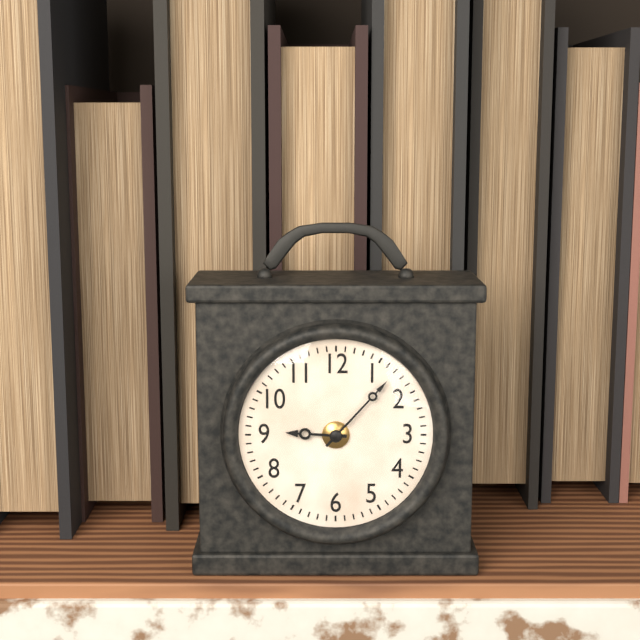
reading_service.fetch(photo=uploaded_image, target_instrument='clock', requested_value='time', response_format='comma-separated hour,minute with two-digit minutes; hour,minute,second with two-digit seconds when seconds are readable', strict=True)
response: 9,07
